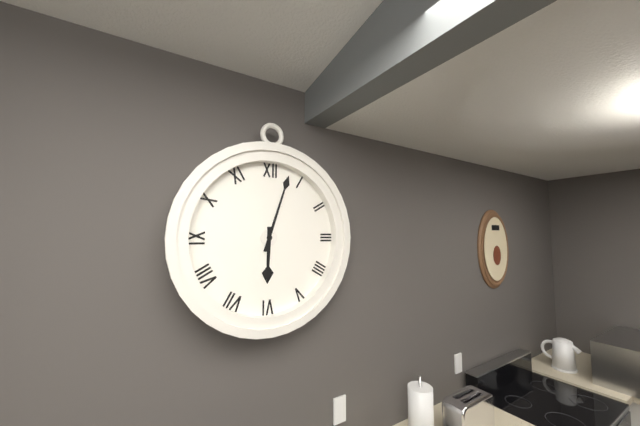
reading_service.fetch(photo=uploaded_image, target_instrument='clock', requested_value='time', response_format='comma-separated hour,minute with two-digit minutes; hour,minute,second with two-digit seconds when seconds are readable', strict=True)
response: 6,03
